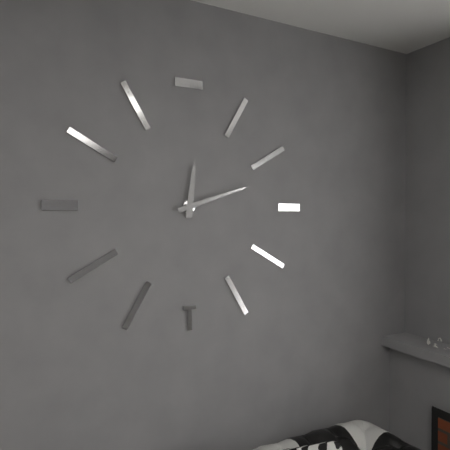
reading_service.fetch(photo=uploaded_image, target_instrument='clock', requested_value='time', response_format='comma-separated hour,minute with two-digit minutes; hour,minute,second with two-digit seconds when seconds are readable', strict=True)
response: 12,12
